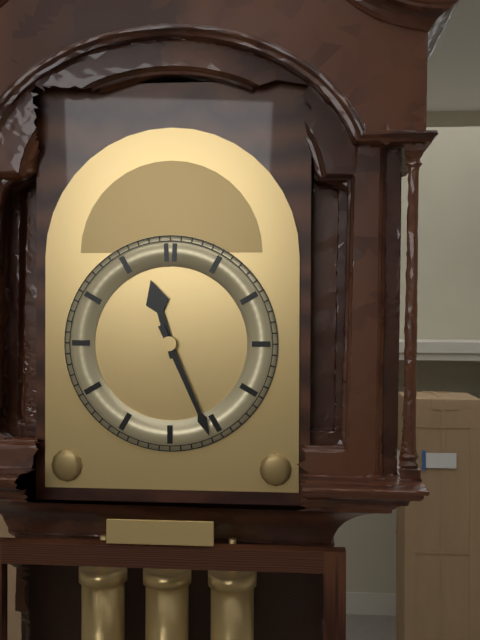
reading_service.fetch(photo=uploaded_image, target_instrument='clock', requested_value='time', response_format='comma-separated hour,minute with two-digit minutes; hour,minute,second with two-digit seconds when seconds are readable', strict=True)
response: 11,26
